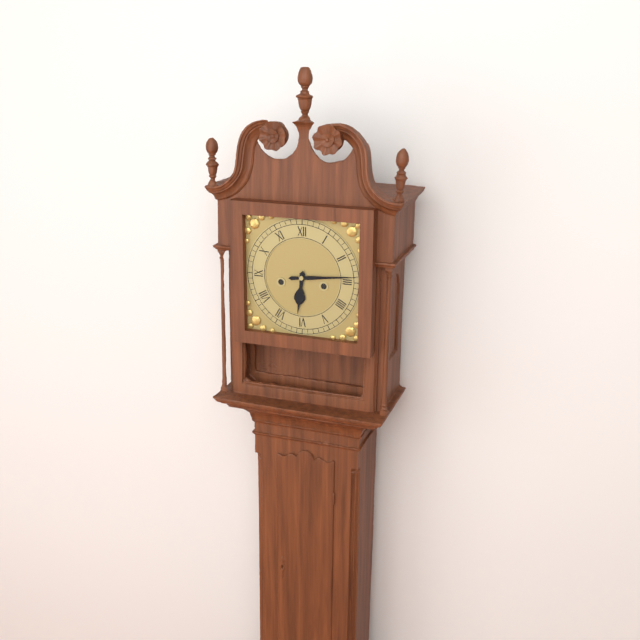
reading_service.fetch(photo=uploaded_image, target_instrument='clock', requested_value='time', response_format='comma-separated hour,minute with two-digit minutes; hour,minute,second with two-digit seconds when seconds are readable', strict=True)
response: 6,14
